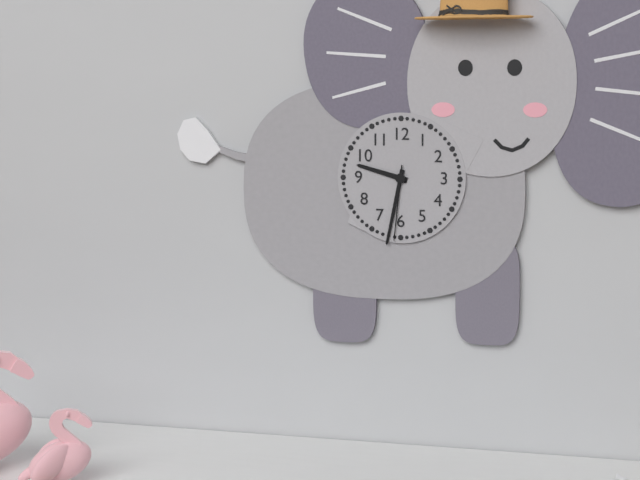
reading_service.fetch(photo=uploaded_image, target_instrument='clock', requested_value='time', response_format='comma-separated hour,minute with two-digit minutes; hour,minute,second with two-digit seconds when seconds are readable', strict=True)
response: 9,32,31
